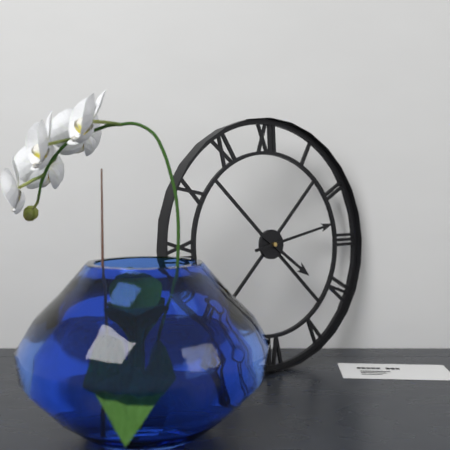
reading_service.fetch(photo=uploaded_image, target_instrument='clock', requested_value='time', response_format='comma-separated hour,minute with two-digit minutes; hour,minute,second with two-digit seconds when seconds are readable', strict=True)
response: 4,13
